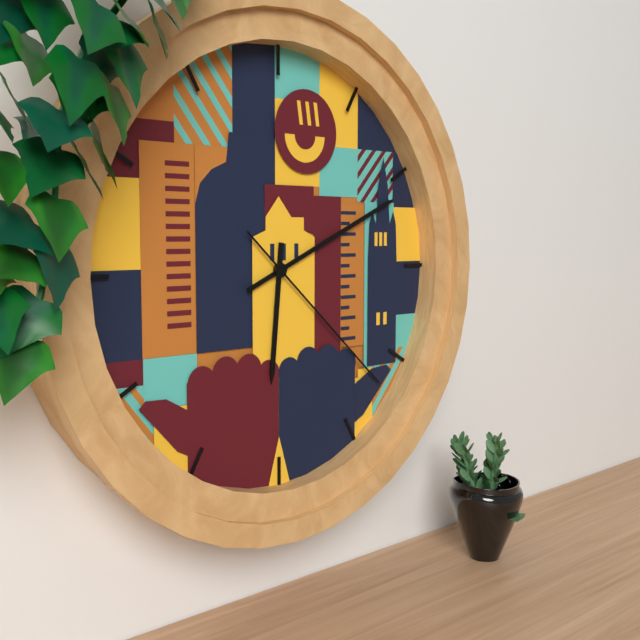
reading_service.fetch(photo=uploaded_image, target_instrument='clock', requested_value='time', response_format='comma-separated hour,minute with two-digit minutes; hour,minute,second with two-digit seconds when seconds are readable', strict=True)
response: 6,11,22
